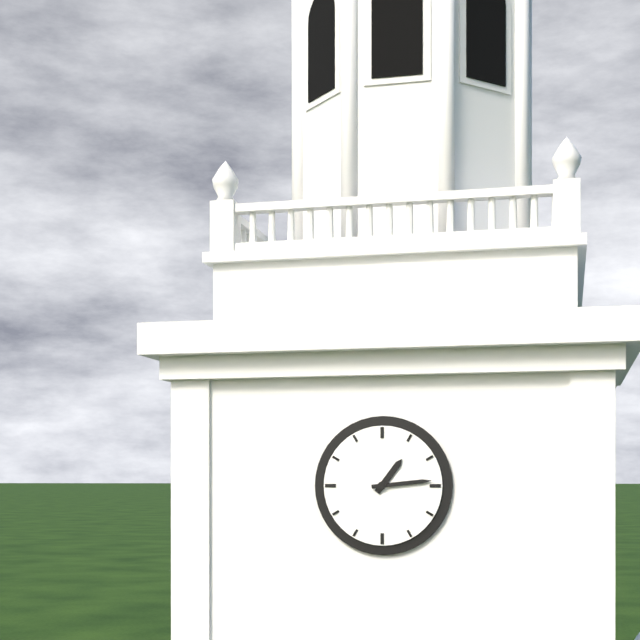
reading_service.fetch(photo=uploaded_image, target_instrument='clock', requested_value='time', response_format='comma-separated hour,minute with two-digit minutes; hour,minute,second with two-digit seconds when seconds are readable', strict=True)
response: 1,14
